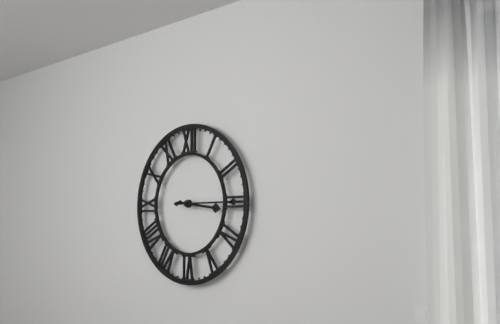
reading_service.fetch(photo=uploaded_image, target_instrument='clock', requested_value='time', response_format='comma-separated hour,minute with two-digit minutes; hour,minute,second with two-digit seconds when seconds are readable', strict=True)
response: 3,15
